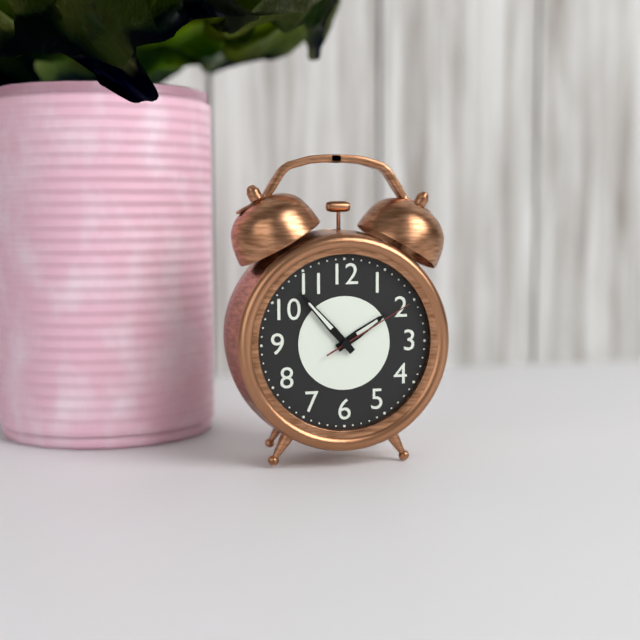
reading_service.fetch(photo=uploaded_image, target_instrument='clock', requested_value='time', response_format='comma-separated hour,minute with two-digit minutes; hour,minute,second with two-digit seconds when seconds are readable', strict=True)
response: 1,53,10
